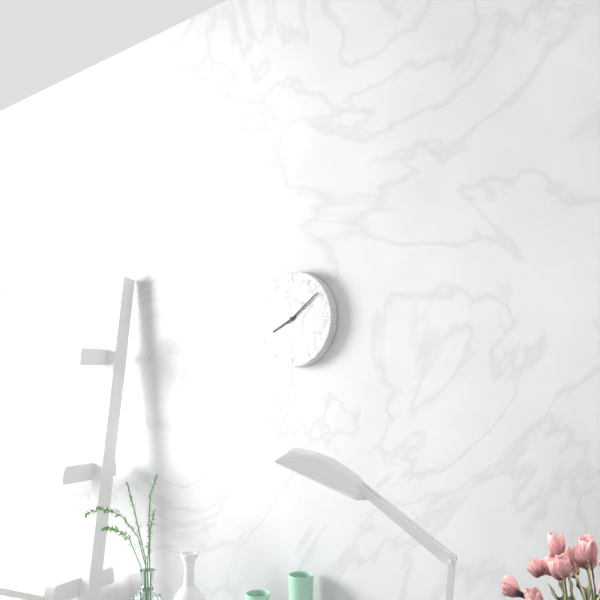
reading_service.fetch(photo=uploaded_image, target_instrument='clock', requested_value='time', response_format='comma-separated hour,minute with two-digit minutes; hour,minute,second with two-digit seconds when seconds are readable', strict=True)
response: 8,09
